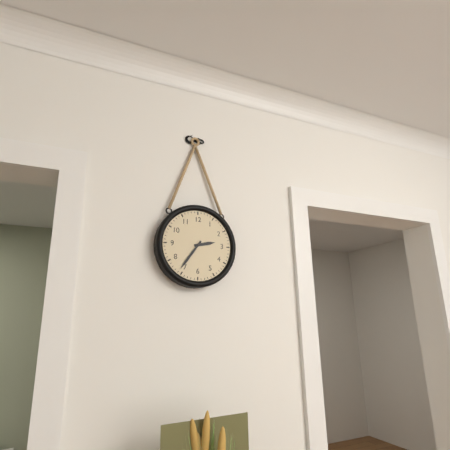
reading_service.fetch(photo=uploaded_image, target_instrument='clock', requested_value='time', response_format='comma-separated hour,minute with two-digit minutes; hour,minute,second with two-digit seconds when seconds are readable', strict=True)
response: 2,36
